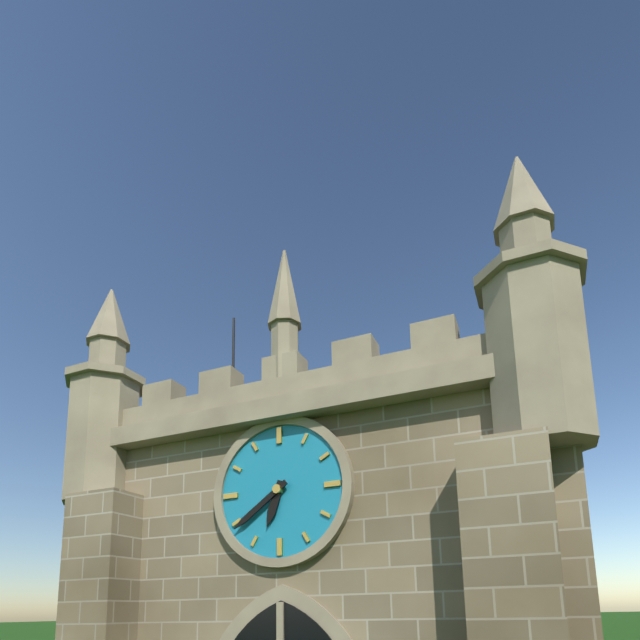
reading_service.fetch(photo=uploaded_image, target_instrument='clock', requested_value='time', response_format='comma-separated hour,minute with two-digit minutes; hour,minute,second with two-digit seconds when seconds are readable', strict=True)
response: 6,39
